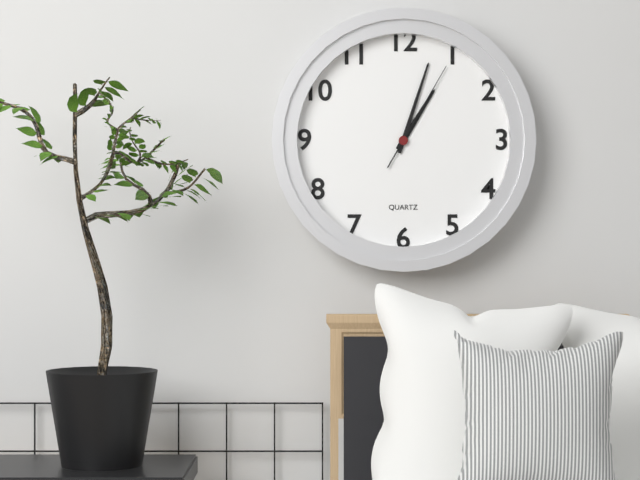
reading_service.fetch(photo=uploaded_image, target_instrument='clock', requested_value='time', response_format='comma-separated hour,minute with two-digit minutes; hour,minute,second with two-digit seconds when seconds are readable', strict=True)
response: 1,03,05
